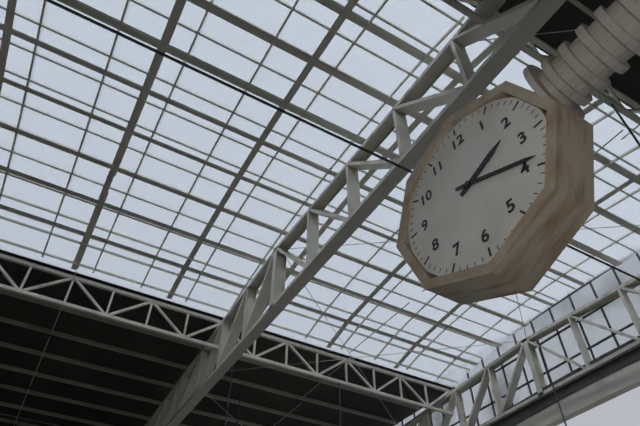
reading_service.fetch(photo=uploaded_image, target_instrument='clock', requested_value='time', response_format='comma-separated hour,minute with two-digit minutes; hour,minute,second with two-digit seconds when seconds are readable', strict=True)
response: 2,19
